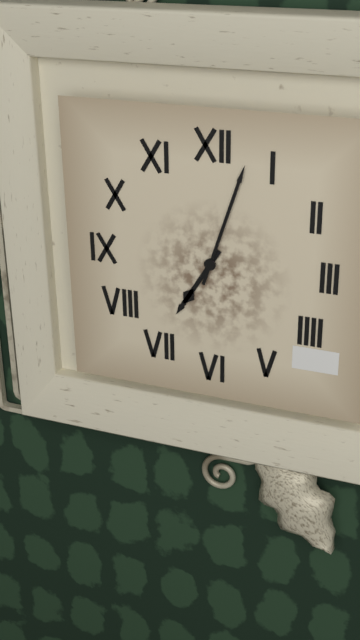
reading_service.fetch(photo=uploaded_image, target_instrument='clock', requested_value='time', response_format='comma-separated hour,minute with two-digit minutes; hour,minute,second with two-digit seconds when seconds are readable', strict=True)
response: 7,03
